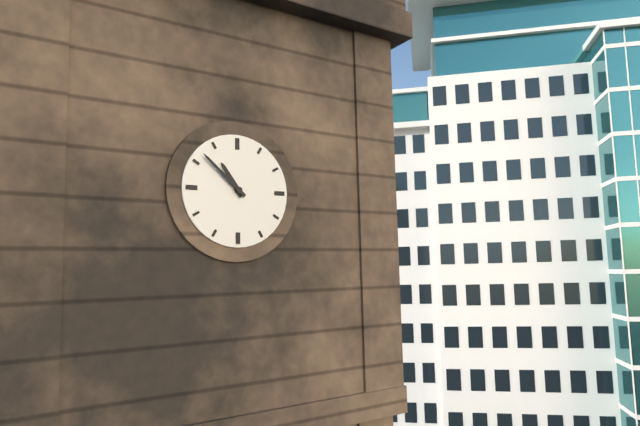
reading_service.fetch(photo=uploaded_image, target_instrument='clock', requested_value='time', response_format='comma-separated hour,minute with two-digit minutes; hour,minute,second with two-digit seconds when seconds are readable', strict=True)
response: 10,52
